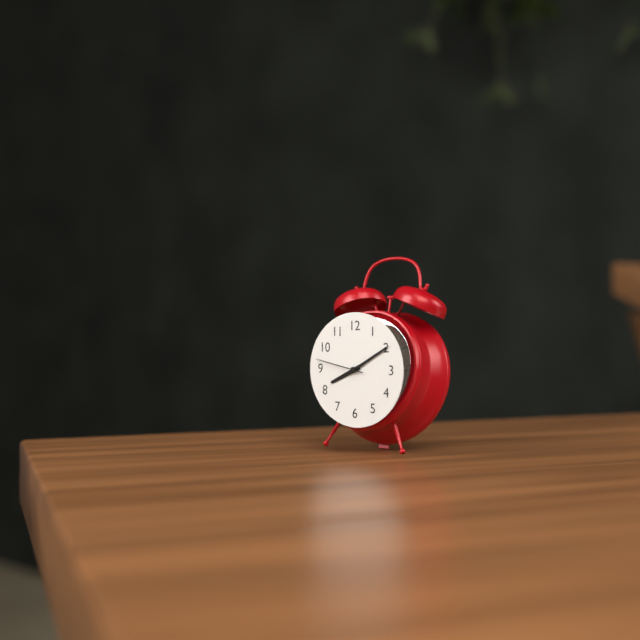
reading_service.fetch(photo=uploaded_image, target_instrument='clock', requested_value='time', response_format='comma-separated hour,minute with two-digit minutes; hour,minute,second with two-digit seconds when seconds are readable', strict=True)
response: 8,10,47
